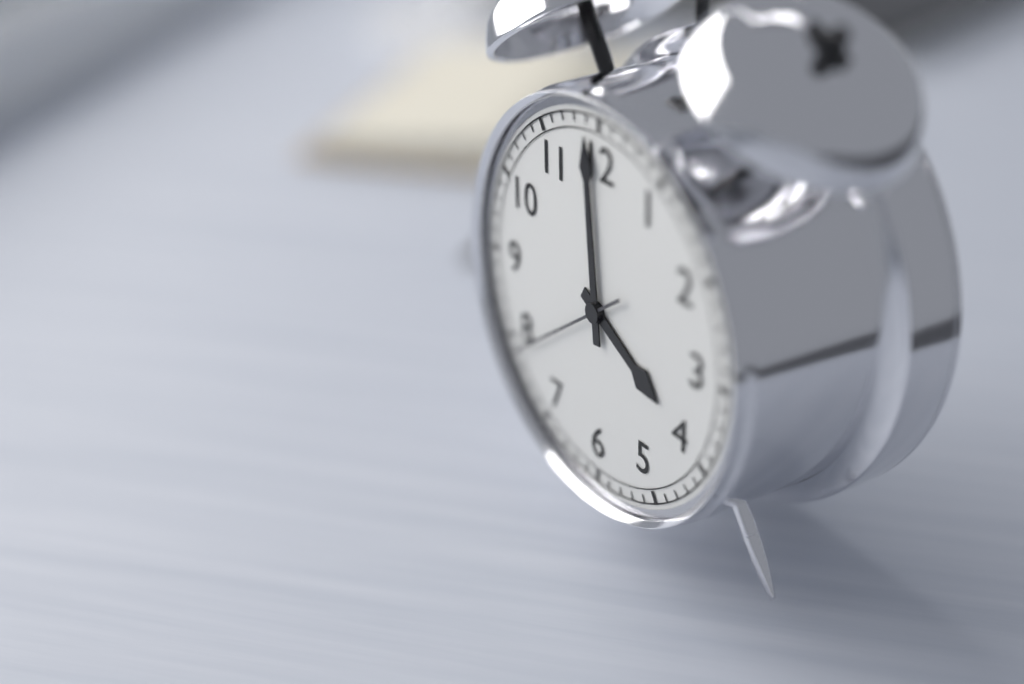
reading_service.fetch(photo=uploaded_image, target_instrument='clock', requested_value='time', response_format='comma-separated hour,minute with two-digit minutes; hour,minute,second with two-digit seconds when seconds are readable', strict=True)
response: 3,59,39
